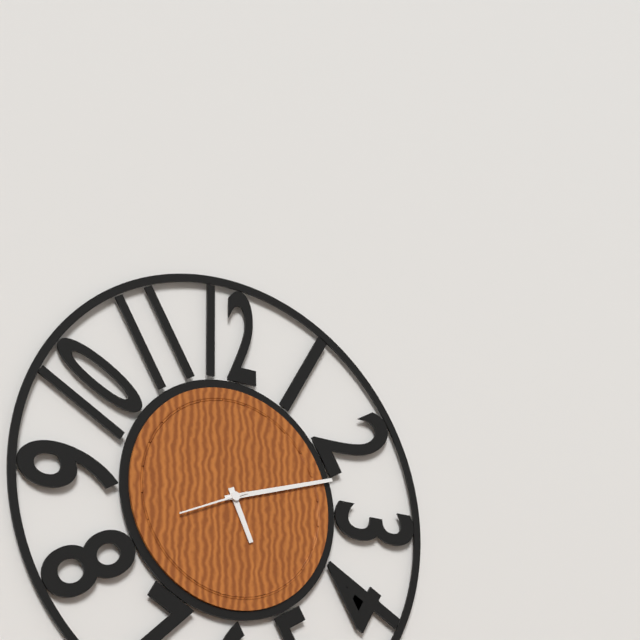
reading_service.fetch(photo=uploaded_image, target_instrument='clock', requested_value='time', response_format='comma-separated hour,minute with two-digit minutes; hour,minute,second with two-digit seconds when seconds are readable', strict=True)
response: 5,12,41
